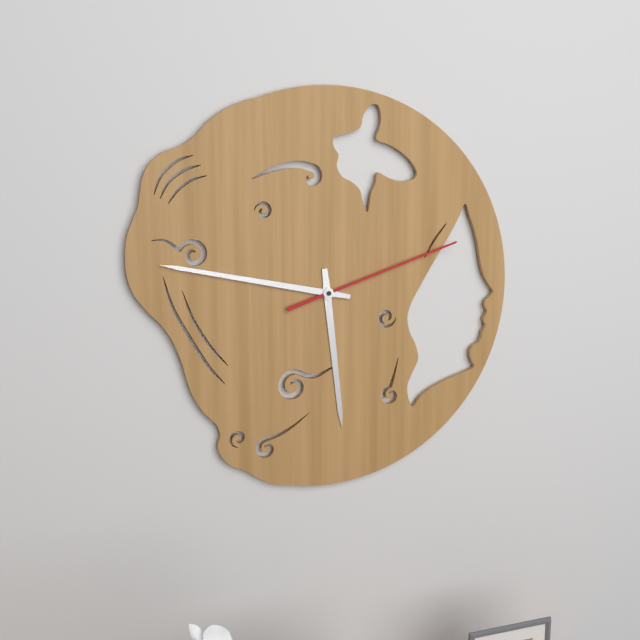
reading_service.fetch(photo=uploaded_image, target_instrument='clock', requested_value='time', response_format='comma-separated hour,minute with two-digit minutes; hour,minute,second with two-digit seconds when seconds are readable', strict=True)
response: 5,47,12
